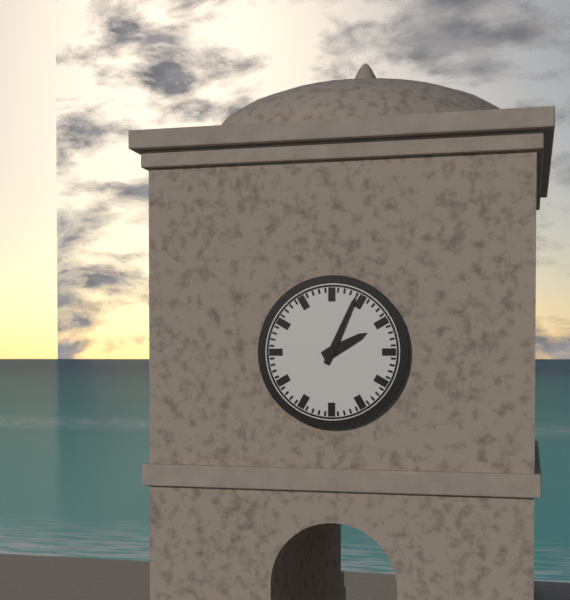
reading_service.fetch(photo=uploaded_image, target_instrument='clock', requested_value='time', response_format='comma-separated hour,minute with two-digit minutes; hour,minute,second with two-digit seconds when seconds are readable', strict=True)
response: 2,04
